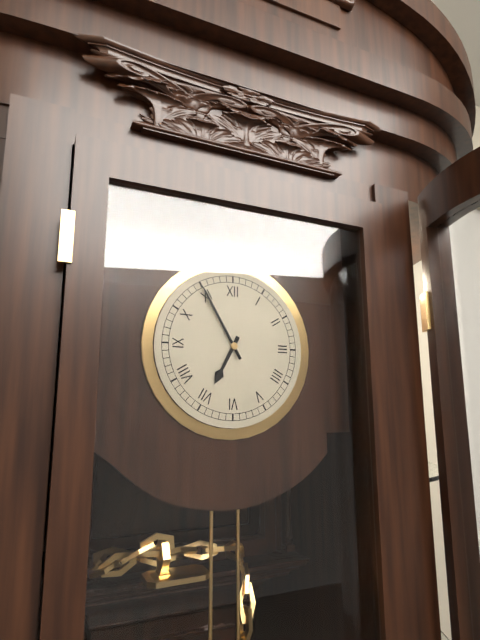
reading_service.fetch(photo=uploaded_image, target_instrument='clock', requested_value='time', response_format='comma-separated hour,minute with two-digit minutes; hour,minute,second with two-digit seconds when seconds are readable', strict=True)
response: 6,55
